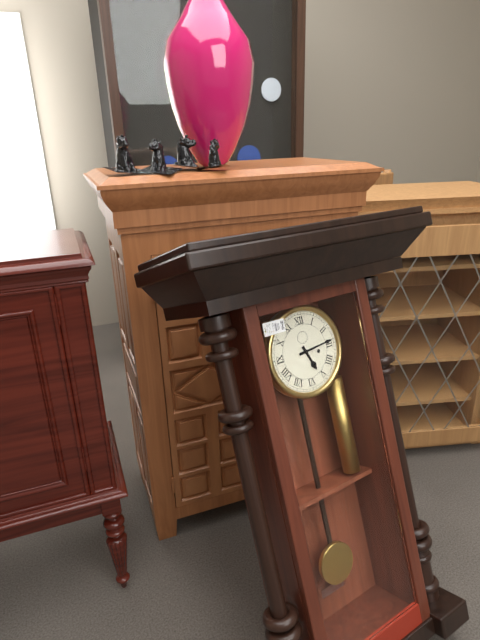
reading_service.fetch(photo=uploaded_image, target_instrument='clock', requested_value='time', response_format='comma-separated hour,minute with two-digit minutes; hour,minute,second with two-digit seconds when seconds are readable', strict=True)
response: 5,14
